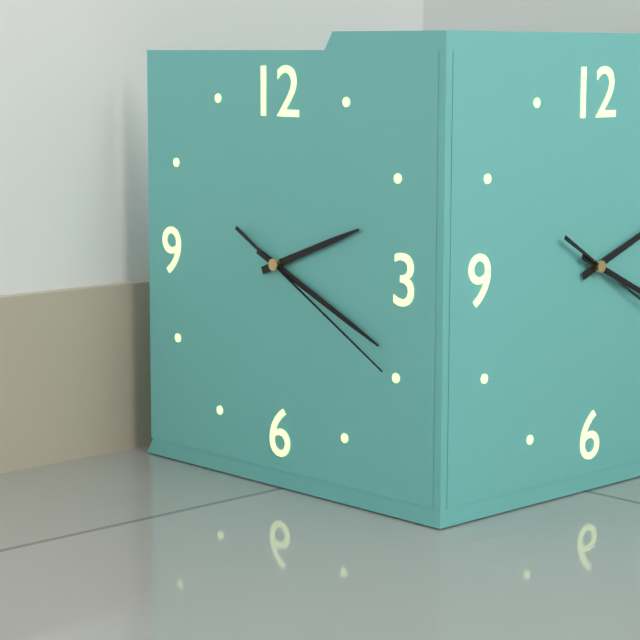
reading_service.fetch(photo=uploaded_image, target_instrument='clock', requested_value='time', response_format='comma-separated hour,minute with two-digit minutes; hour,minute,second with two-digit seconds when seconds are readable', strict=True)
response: 2,19,20
